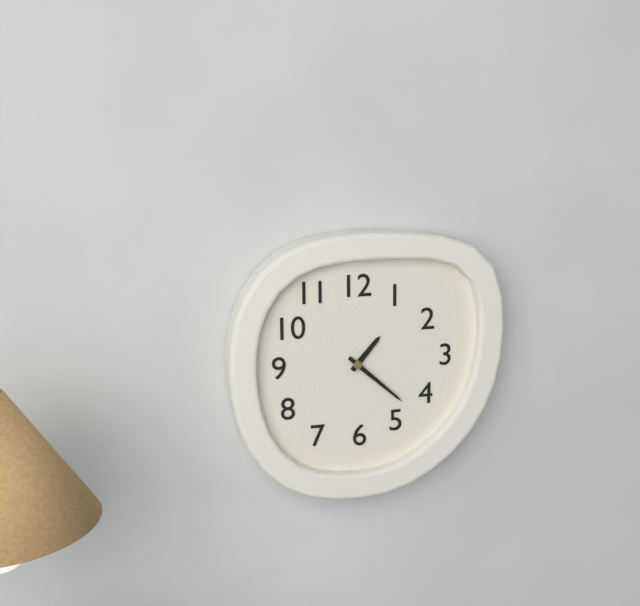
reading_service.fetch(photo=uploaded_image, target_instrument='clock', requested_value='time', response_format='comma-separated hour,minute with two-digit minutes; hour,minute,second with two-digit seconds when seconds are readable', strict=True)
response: 1,22
